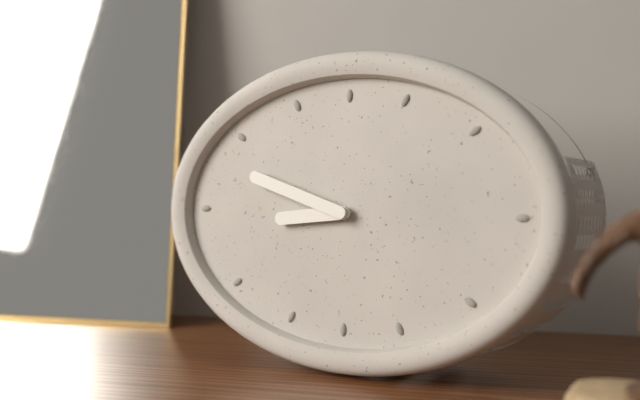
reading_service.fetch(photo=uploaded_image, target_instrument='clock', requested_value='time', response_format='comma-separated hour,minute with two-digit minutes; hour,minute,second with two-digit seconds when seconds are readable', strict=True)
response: 8,48
